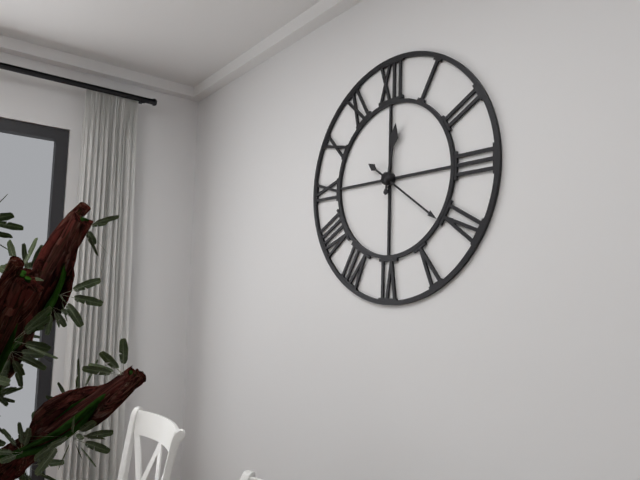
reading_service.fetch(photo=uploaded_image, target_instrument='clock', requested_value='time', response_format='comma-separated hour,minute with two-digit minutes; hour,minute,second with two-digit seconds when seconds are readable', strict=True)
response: 12,21
